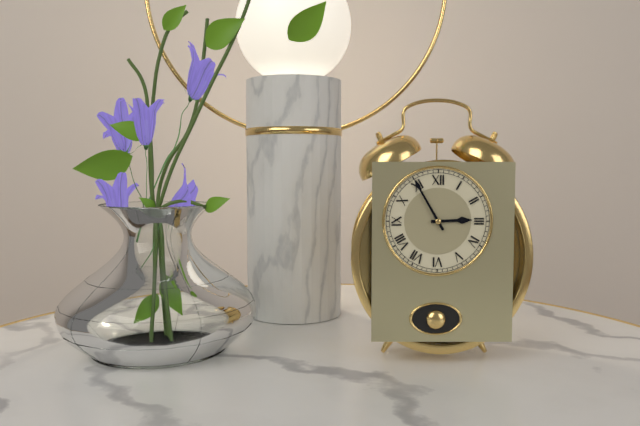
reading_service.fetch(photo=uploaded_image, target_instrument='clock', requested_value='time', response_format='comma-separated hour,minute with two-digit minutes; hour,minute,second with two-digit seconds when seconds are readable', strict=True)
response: 2,55
